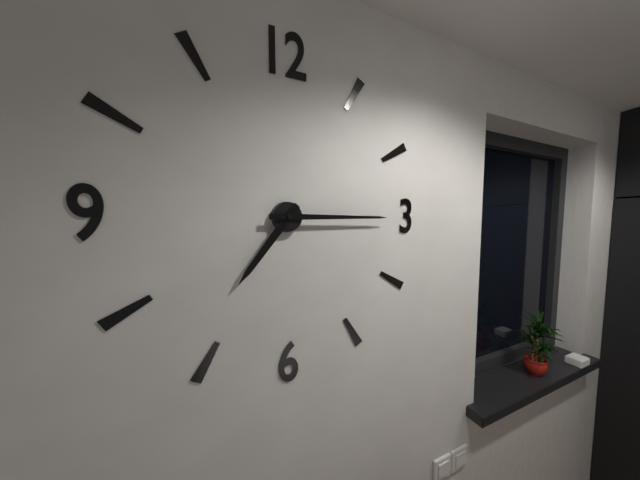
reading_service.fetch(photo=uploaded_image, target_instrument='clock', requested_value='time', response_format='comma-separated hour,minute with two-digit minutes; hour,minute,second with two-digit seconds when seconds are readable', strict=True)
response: 7,15
